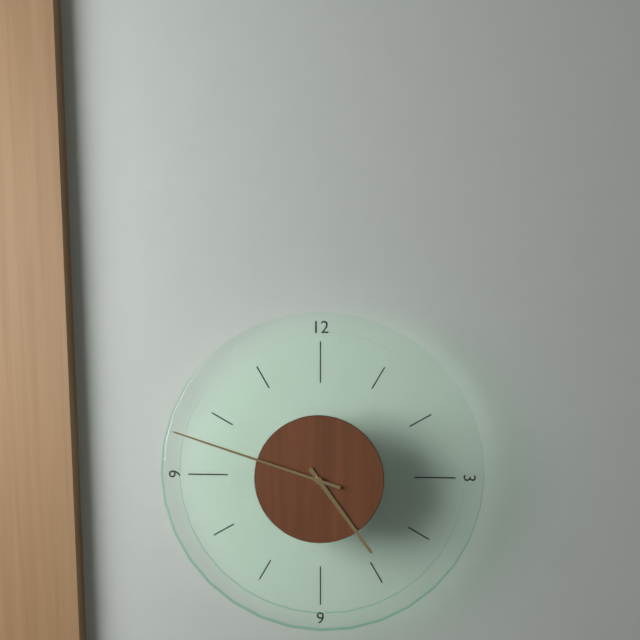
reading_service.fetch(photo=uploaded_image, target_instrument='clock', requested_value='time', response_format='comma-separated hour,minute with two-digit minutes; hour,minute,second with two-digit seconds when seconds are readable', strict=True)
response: 4,48
